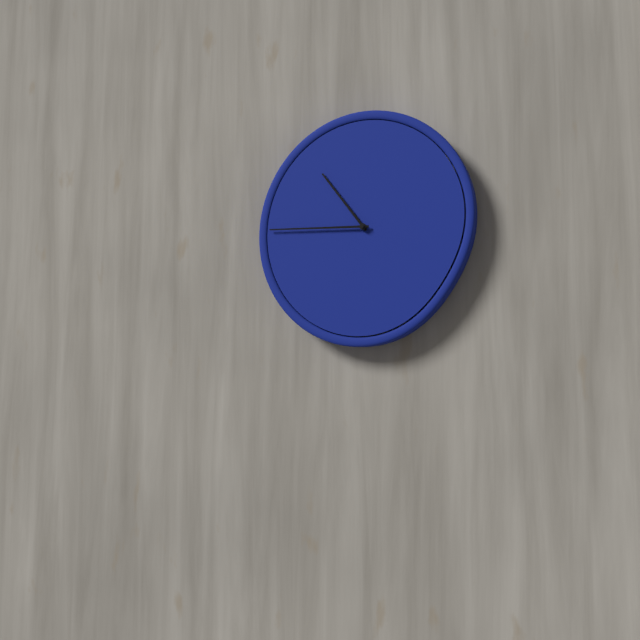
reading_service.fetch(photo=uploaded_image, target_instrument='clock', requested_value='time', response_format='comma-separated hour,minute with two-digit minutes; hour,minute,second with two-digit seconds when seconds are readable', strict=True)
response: 10,45
